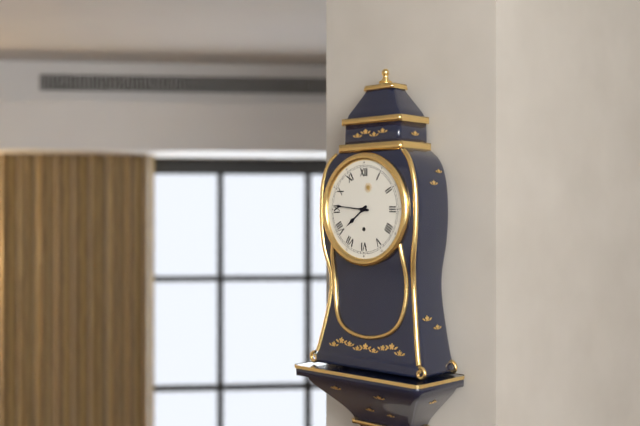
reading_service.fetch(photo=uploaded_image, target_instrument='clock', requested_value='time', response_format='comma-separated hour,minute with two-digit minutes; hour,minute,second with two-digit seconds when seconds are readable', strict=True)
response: 7,46
